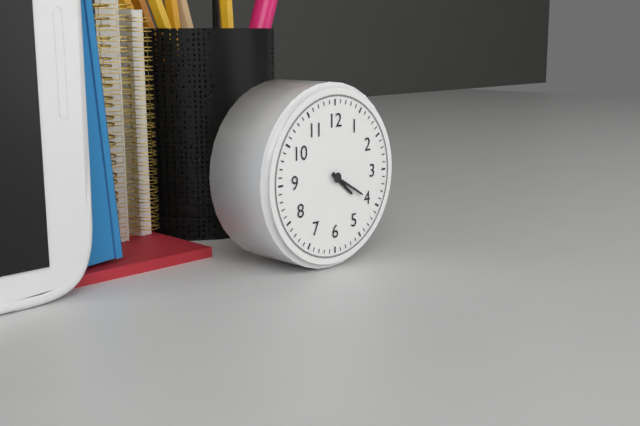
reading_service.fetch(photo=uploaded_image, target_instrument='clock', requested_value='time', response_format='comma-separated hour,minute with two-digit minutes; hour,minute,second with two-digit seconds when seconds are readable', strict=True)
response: 4,20
